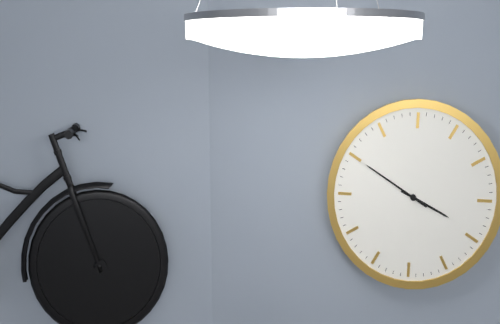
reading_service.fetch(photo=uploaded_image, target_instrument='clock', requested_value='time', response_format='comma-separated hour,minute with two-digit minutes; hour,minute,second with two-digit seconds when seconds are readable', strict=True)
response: 3,50
